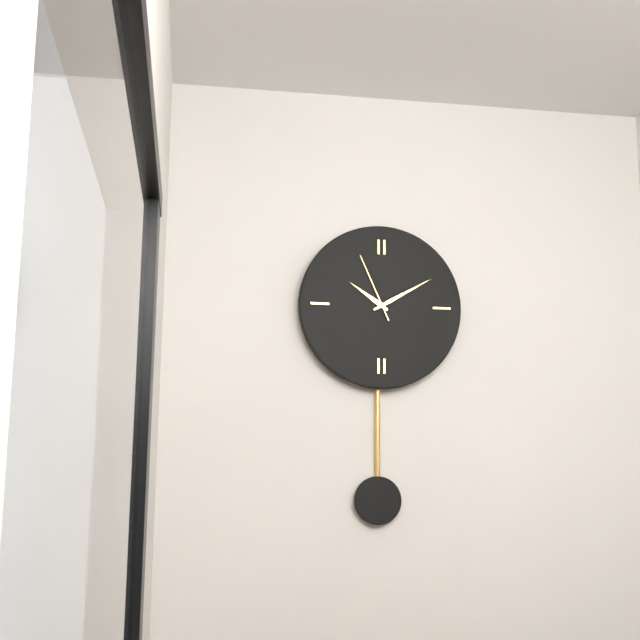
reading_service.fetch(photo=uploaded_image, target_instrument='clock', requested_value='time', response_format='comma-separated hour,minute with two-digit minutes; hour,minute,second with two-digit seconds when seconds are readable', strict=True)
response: 10,10,56
